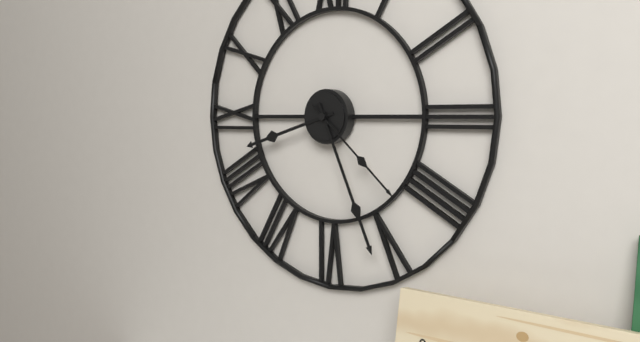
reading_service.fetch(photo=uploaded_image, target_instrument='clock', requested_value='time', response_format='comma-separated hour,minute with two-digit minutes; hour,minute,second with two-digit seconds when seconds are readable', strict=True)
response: 8,26,22
